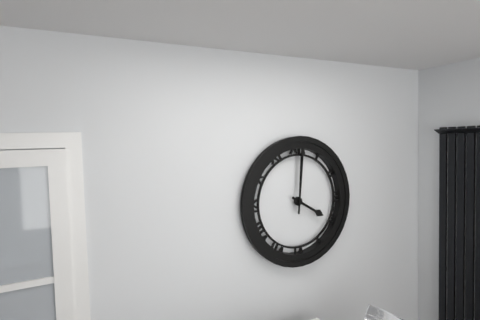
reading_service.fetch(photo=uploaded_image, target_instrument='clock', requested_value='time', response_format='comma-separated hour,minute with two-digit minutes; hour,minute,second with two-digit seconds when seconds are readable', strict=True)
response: 4,01
